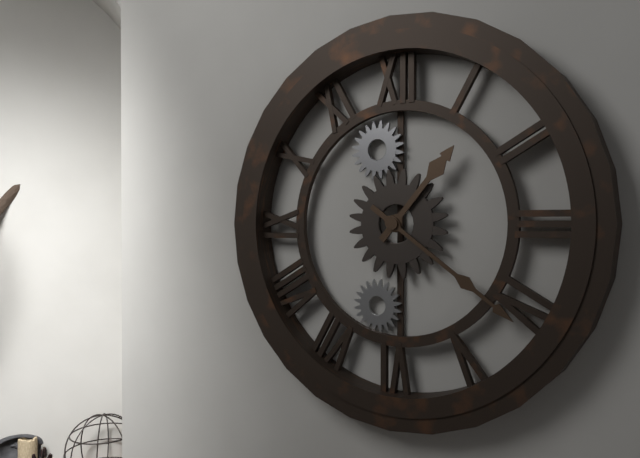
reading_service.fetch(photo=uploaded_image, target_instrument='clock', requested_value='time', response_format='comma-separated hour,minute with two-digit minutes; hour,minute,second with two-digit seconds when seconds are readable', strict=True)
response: 1,21
